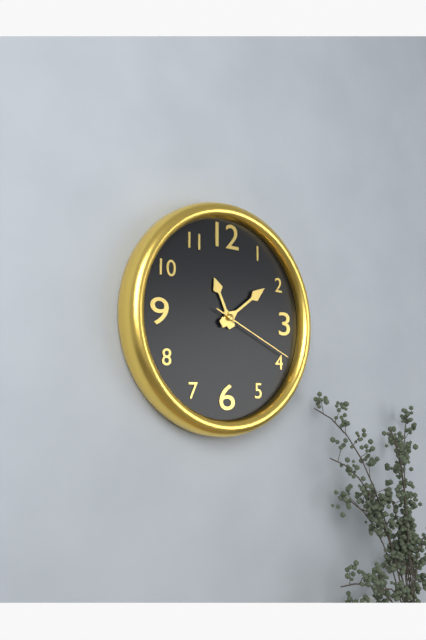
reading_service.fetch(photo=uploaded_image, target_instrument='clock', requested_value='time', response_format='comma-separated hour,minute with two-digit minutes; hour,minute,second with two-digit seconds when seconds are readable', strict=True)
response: 11,09,19
